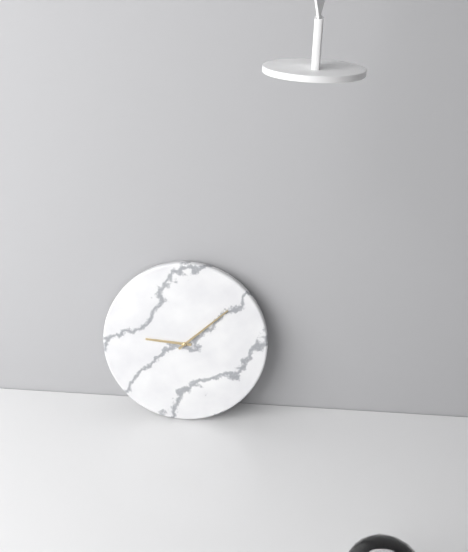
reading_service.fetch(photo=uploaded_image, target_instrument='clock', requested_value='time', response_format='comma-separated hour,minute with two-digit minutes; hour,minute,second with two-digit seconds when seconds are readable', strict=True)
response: 9,08
